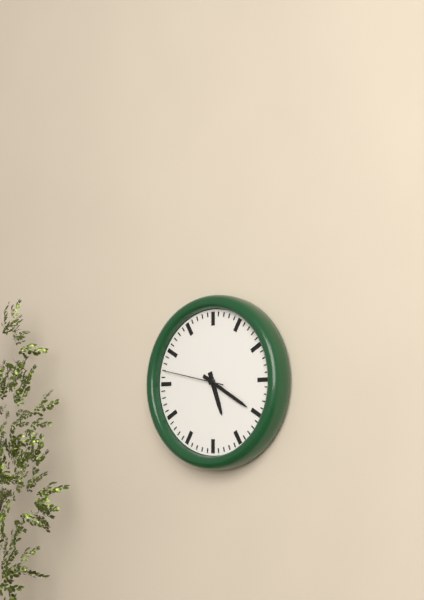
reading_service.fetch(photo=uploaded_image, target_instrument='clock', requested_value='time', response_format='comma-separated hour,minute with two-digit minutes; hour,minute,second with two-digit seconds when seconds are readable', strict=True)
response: 5,20,47
